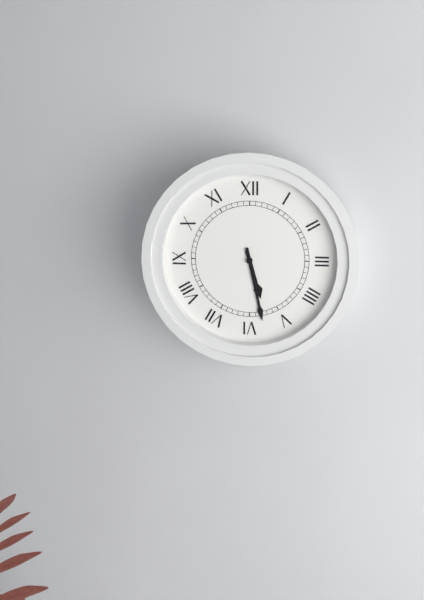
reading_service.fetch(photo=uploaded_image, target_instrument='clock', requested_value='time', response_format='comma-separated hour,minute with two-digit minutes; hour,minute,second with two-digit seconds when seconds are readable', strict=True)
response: 5,28
